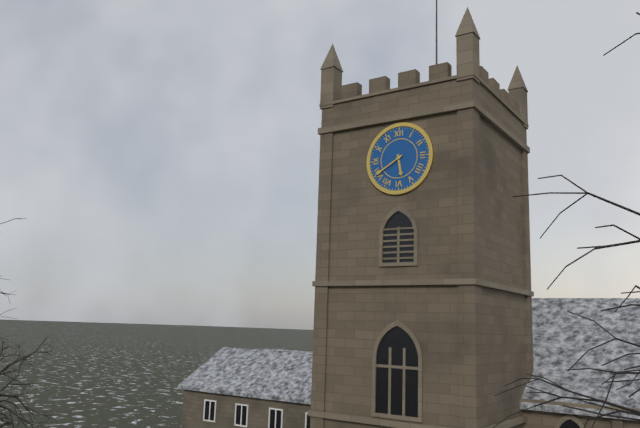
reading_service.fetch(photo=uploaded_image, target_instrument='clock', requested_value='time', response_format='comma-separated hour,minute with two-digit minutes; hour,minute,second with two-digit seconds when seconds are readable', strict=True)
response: 5,40
